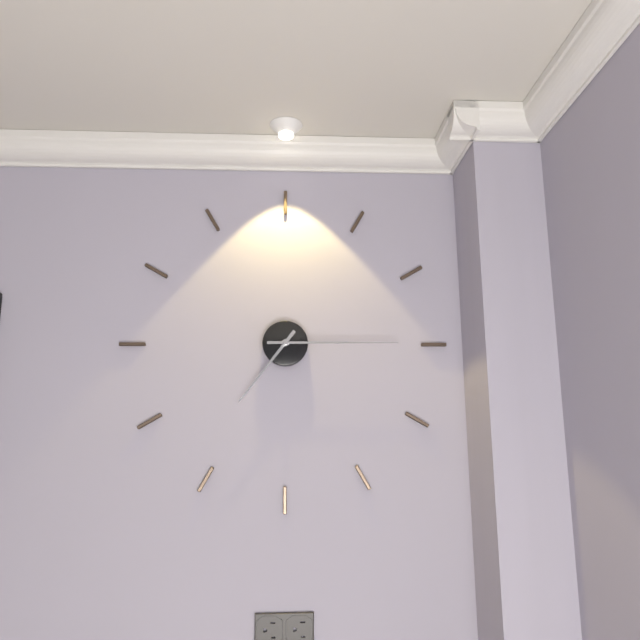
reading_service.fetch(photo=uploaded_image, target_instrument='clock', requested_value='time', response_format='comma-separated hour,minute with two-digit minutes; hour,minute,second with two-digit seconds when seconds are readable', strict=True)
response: 7,15
